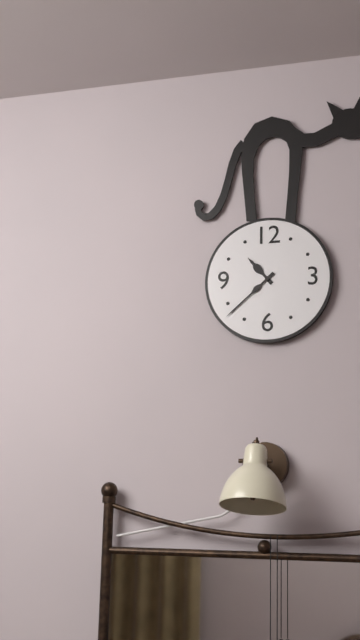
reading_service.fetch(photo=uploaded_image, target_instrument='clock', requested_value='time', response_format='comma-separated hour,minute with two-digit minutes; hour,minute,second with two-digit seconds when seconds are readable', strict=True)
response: 10,38
